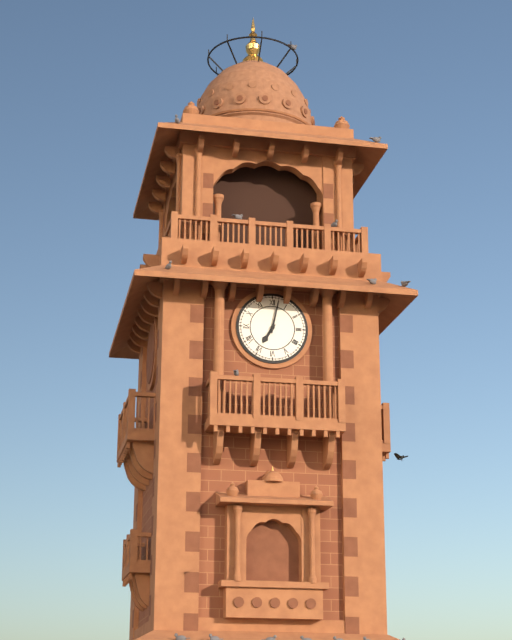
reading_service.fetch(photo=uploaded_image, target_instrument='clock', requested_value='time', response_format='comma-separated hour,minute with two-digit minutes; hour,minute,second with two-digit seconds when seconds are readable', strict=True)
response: 7,02
